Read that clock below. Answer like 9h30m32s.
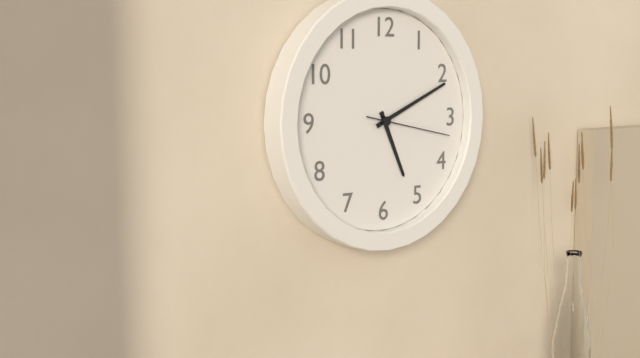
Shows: 5h11m17s
